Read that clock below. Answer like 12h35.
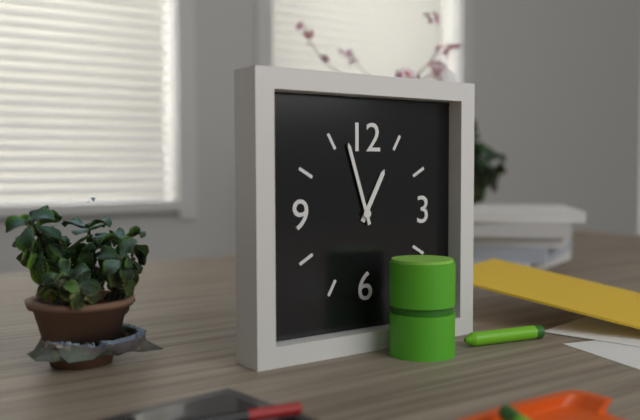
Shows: 12h57
